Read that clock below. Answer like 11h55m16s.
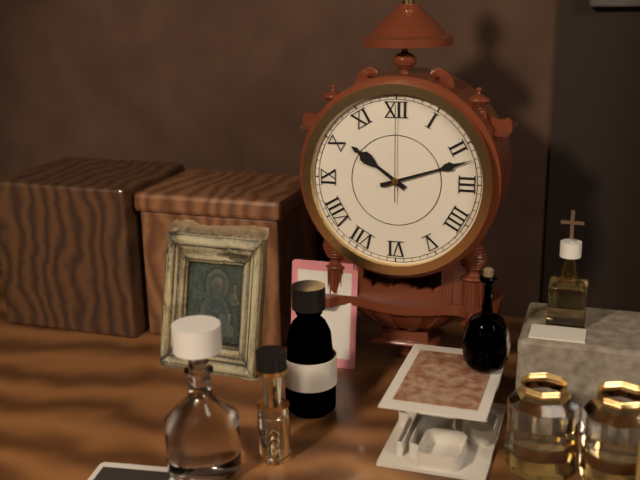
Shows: 10h12m00s
